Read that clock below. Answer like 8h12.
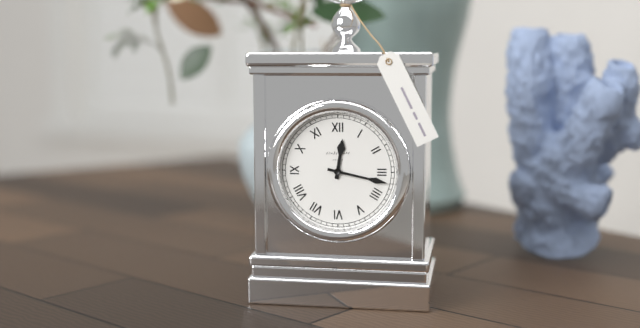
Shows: 12h17
